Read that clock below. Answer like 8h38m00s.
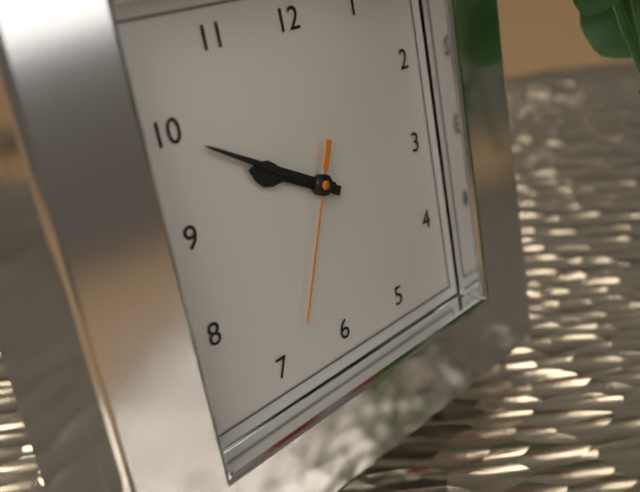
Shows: 9h50m34s
